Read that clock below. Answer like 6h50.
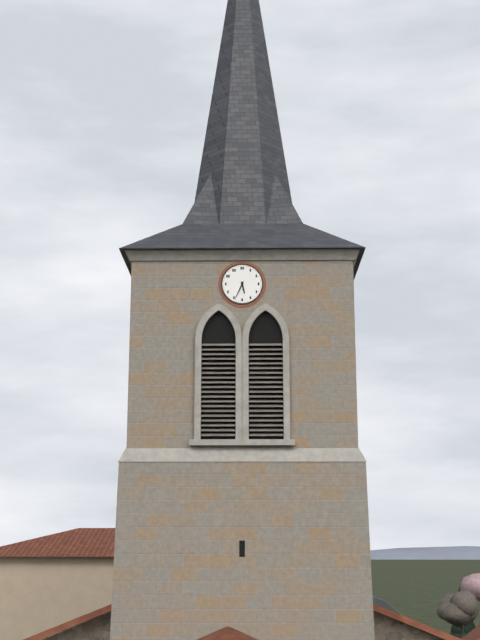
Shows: 5h34
